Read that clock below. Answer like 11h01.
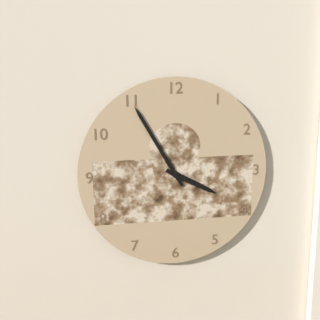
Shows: 3h55
